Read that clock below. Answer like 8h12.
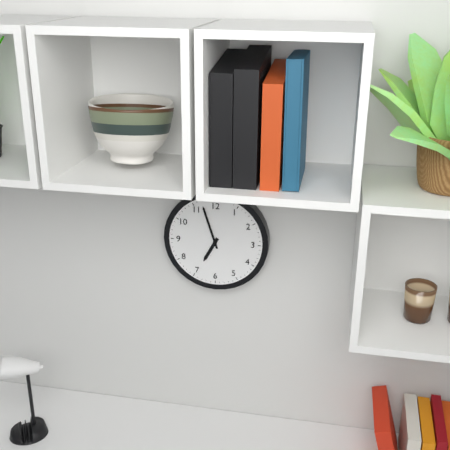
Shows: 6h57
